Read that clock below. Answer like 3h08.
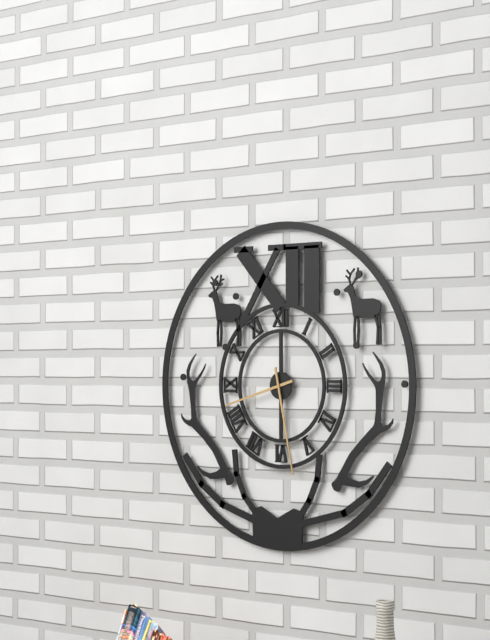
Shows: 8h28
